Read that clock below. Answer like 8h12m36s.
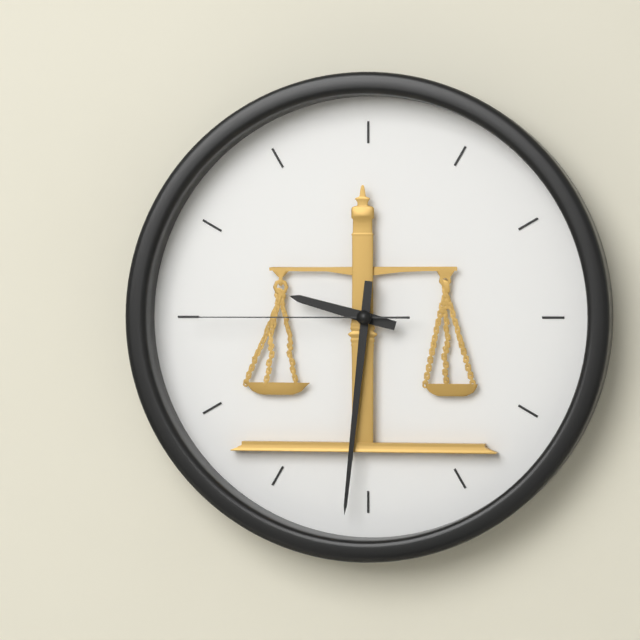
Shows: 9h31m45s
